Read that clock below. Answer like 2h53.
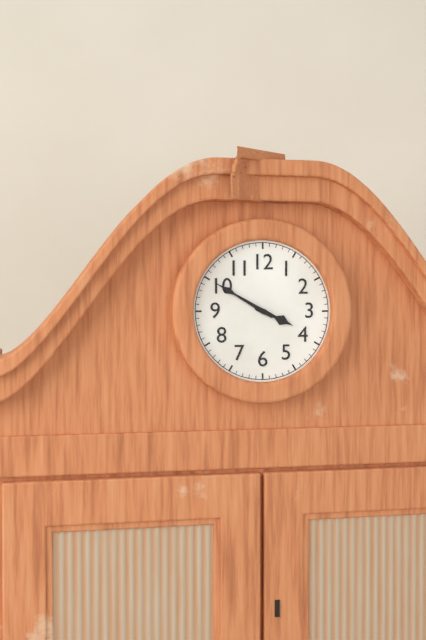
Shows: 3h50
